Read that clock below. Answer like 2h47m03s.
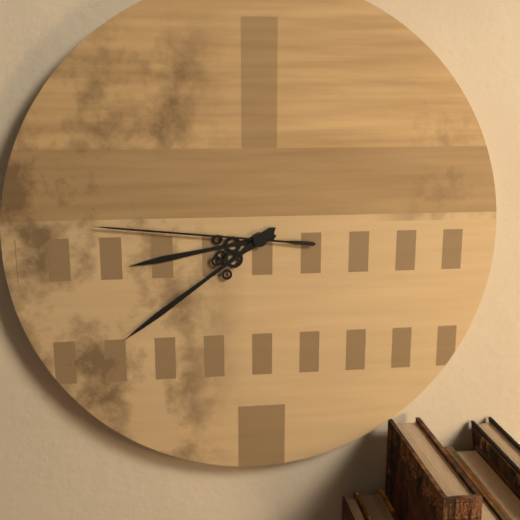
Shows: 8h39m46s
